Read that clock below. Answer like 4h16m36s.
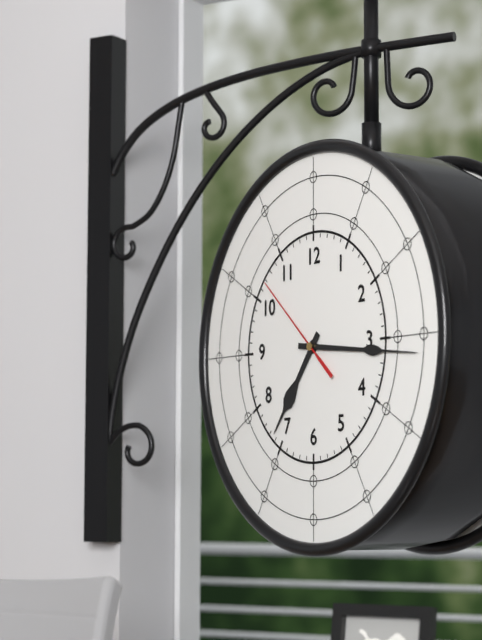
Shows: 7h16m52s
